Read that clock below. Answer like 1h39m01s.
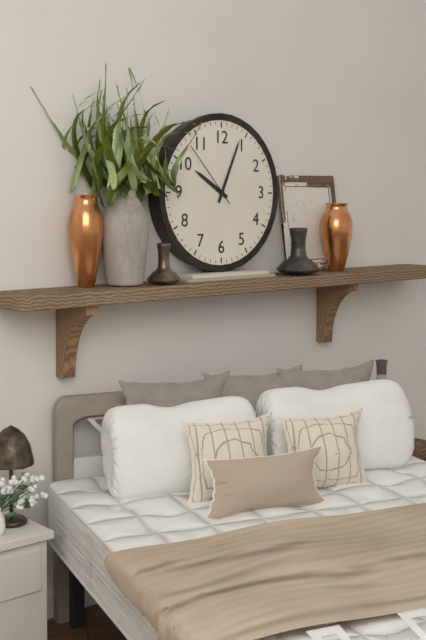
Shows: 10h04m53s
